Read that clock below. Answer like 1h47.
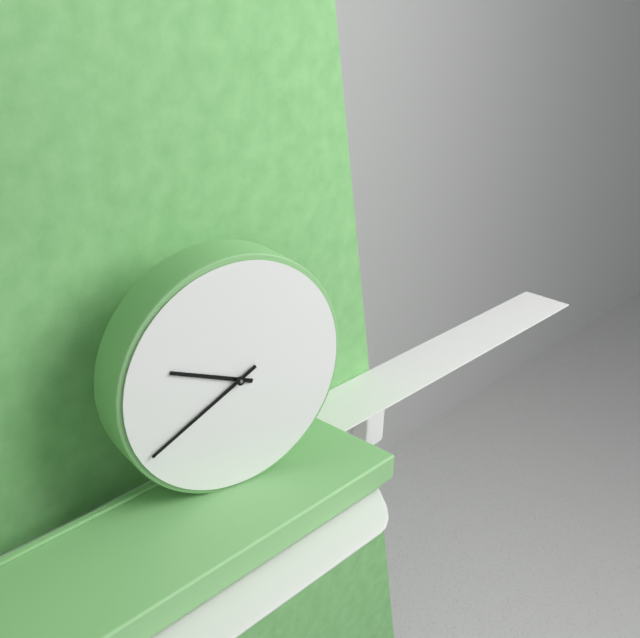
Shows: 9h40
